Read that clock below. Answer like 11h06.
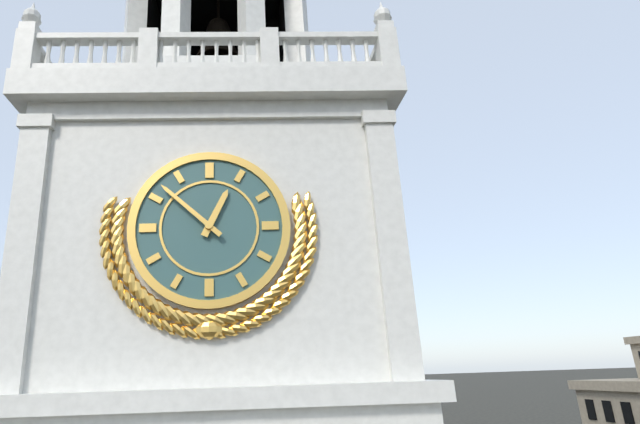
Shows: 12h52
